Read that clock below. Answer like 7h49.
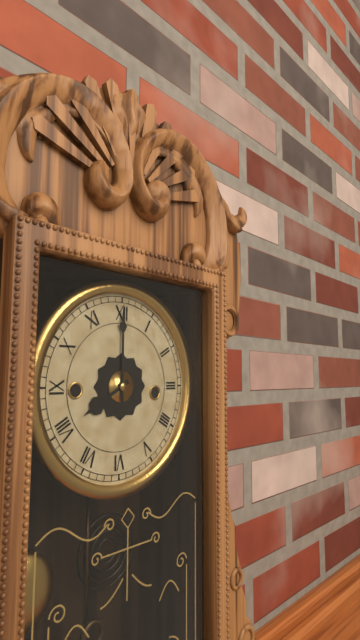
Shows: 8h00
